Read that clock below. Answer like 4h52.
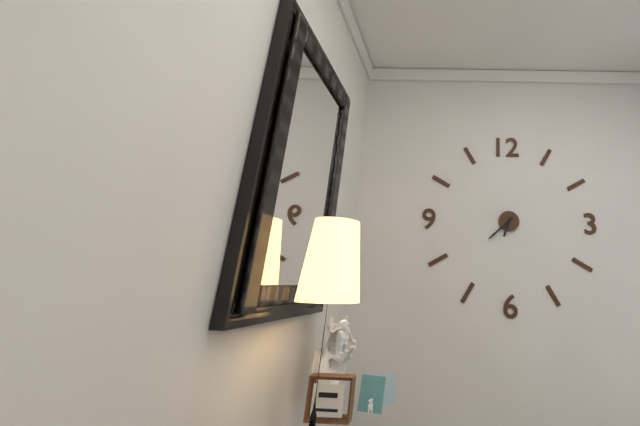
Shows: 6h38
